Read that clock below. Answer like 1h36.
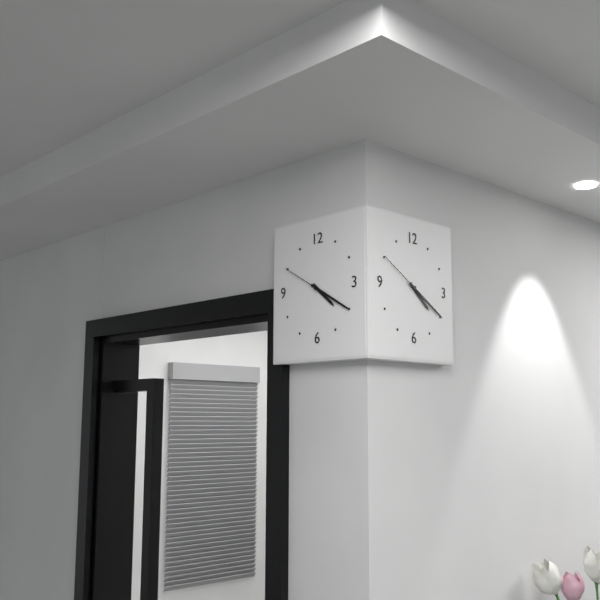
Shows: 4h20
